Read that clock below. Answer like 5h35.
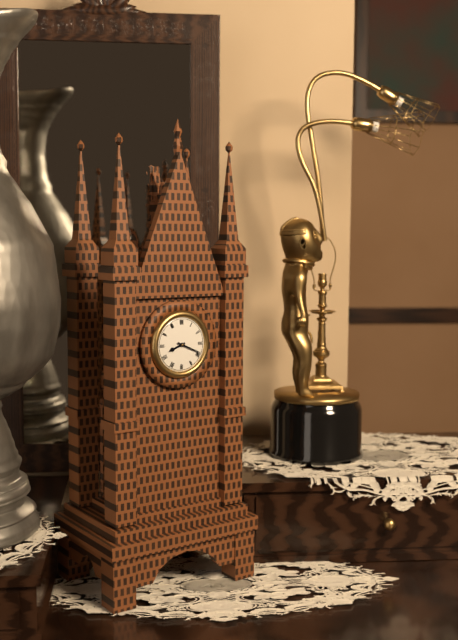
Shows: 8h19
